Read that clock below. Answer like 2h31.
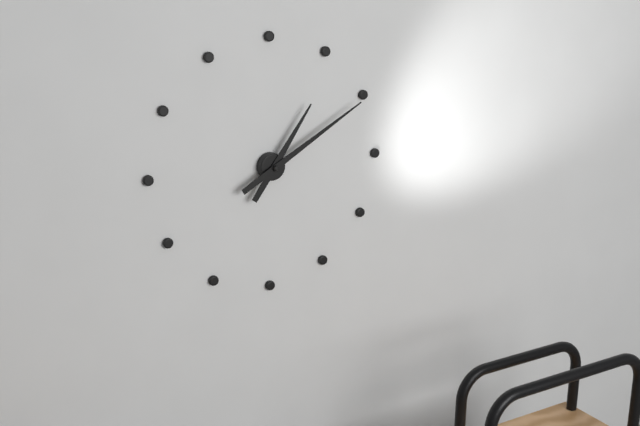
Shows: 1h10
